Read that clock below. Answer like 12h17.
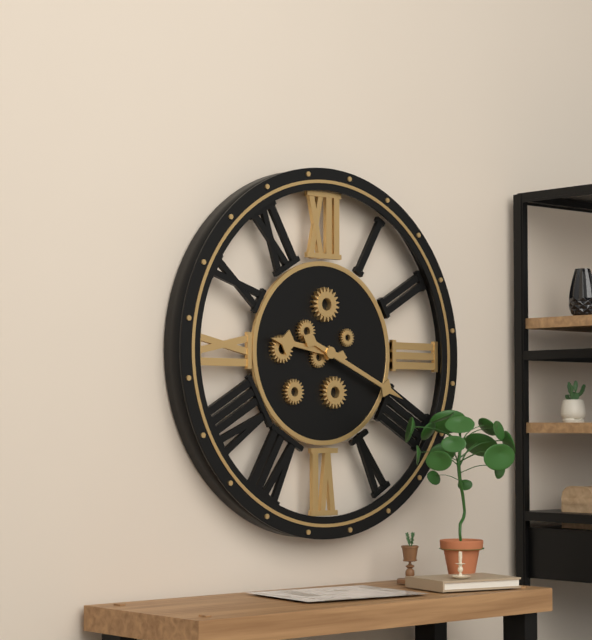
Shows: 9h19
